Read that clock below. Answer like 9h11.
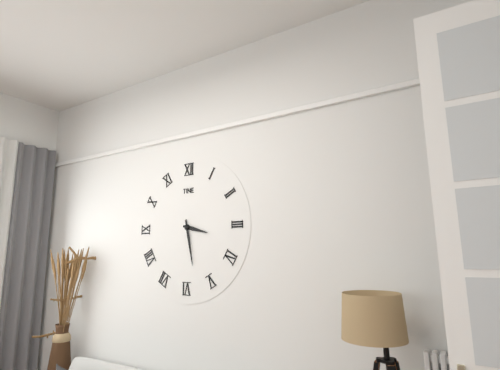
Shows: 3h28
